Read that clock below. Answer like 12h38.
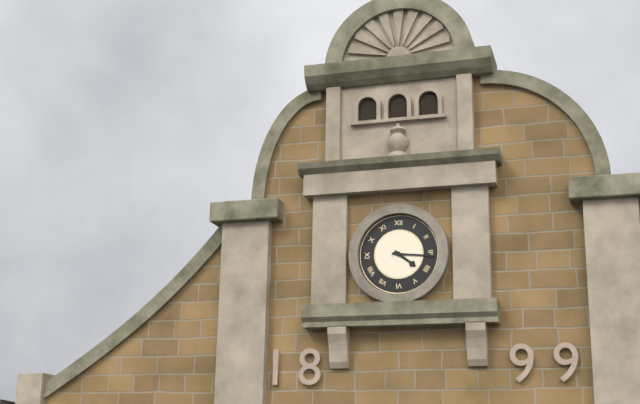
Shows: 4h16
